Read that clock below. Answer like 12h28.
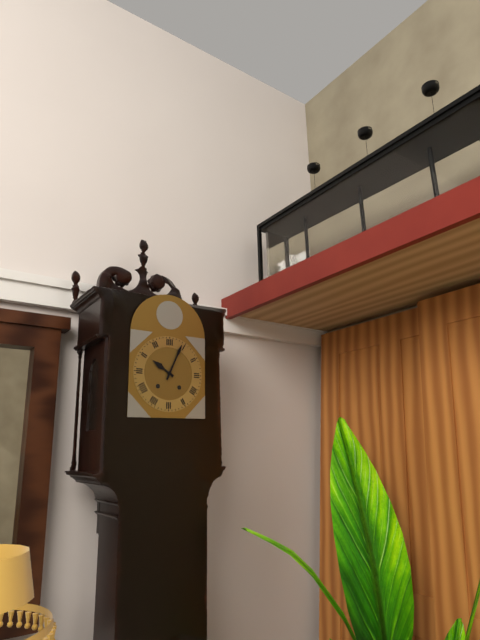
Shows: 10h04
